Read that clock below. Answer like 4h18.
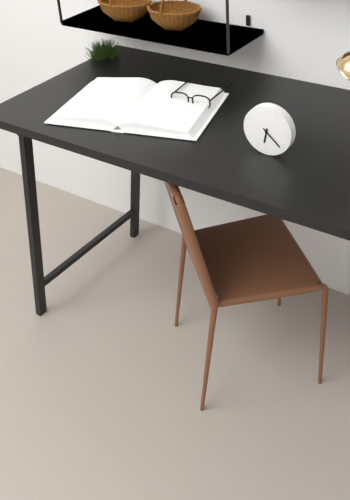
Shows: 6h22
